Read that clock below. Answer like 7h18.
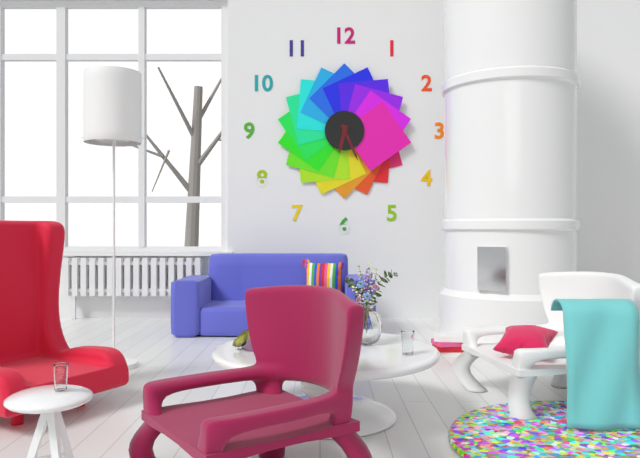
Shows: 6h26
